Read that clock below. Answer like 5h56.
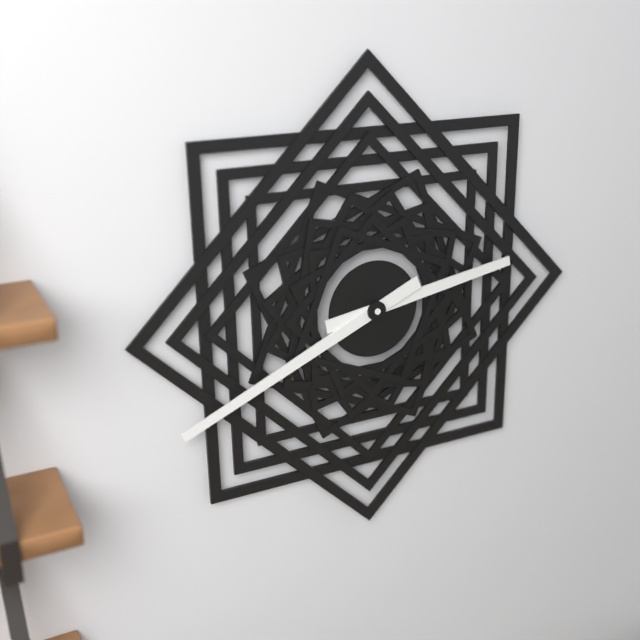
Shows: 2h41
